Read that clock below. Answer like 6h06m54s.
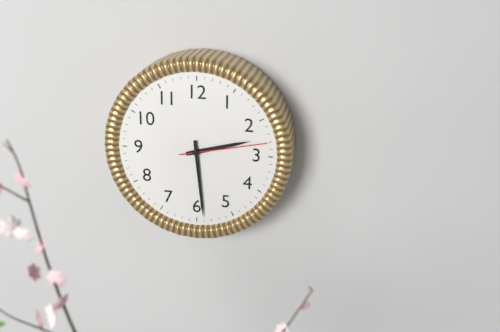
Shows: 2h29m13s
